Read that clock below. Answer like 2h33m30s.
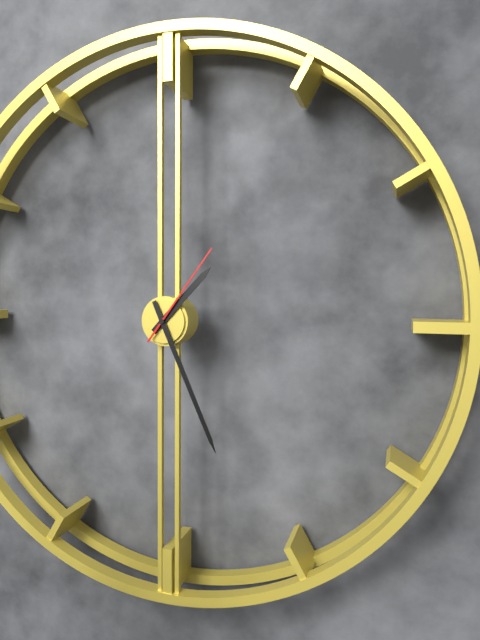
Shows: 1h26m06s
